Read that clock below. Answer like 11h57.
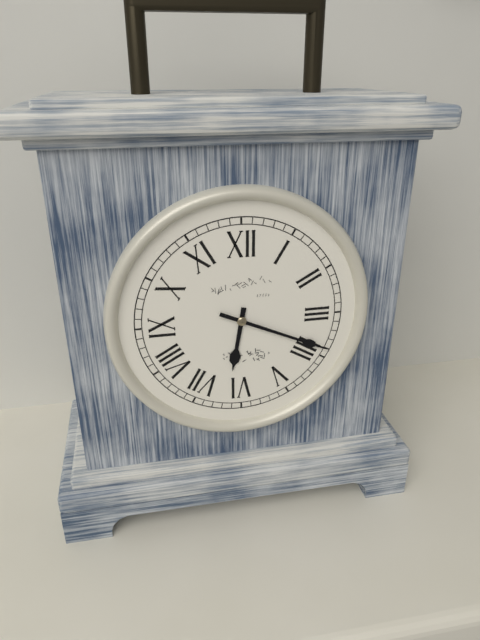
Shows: 6h19
